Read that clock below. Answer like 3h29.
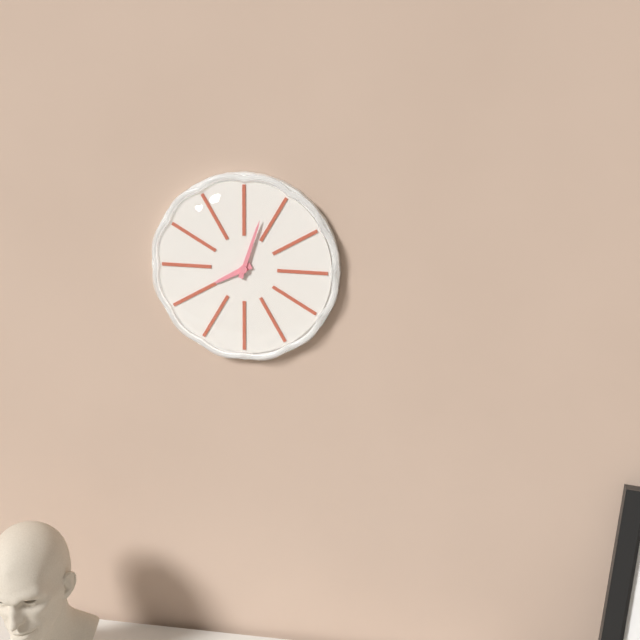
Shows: 8h03
